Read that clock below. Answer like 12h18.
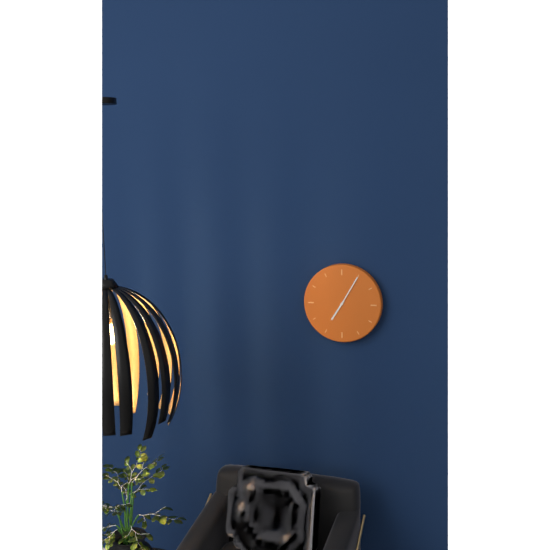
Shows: 7h05
